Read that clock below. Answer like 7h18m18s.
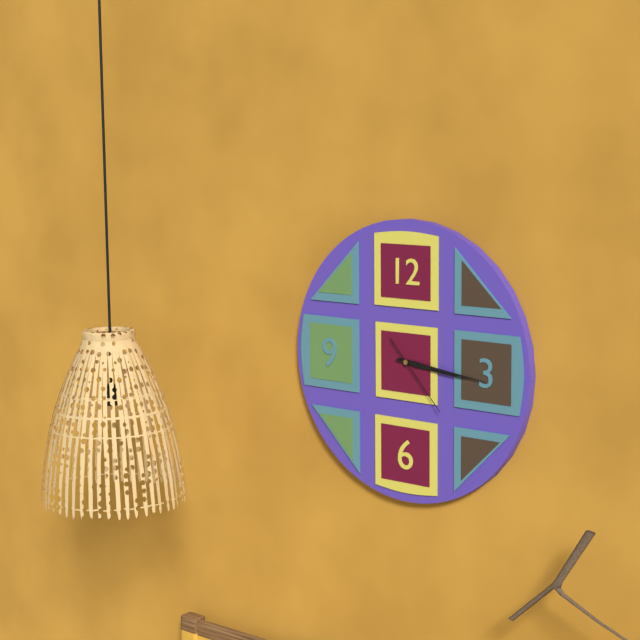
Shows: 3h16m23s
